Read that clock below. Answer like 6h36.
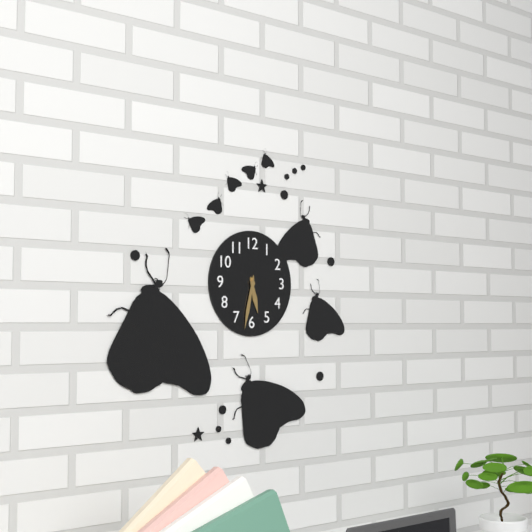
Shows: 5h32
